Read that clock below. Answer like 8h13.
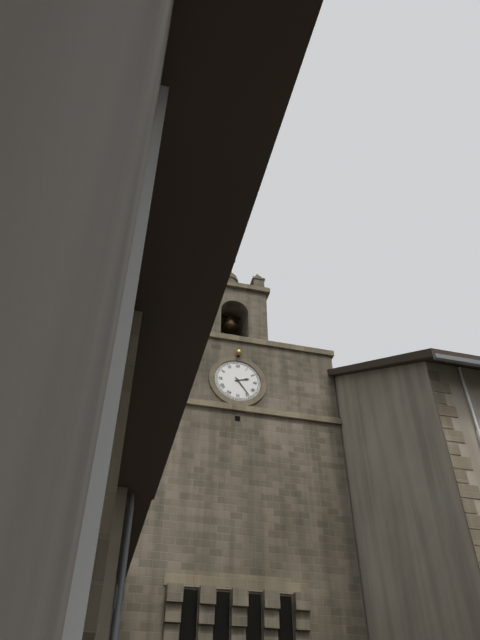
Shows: 2h24
